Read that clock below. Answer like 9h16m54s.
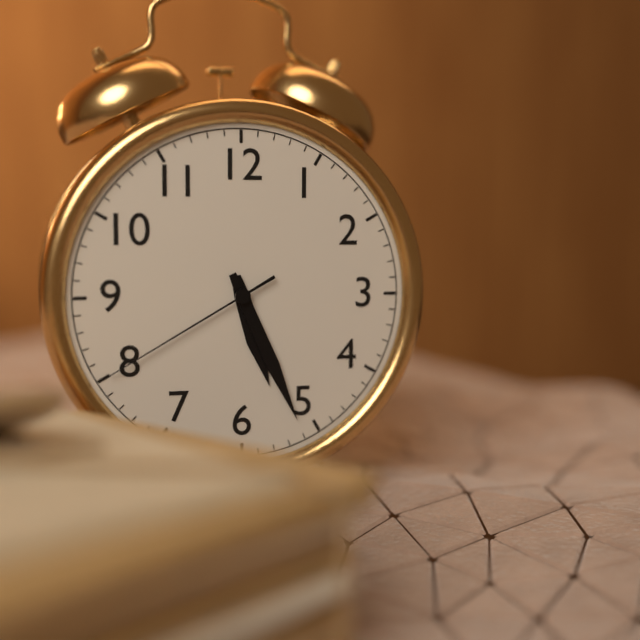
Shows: 5h26m40s
